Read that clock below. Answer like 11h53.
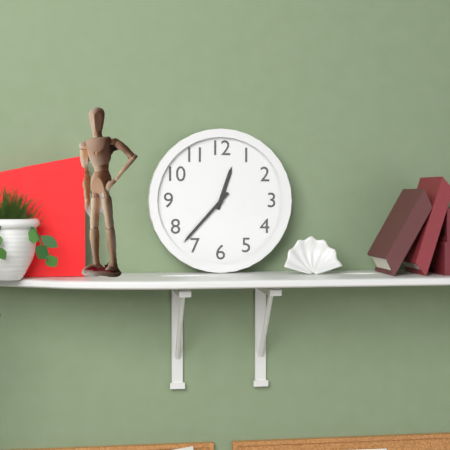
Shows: 12h37
